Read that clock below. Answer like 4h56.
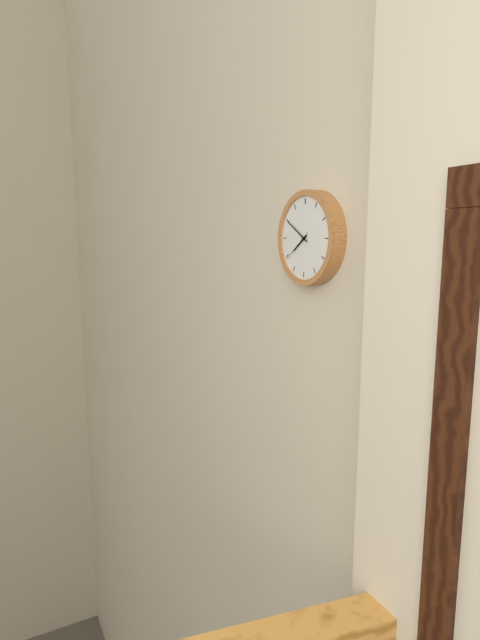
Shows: 7h50
